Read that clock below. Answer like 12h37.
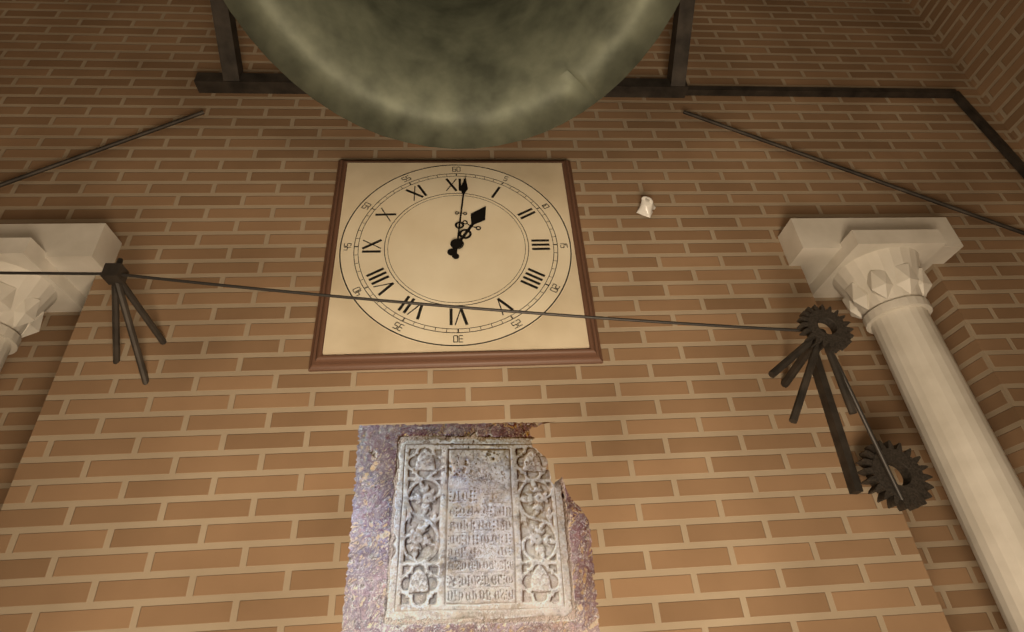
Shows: 1h01
